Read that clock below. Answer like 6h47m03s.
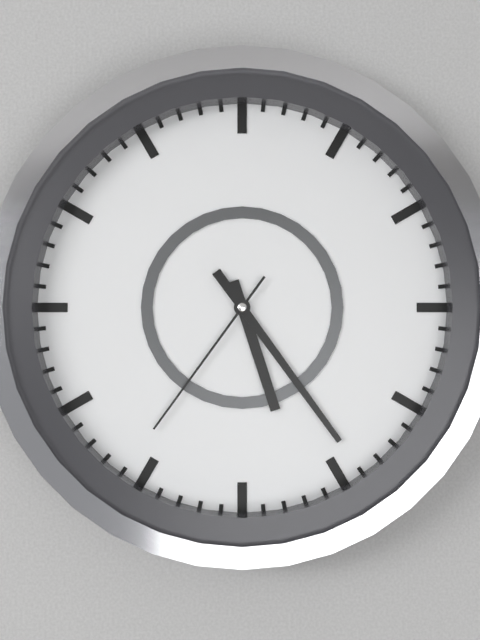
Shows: 5h24m36s
